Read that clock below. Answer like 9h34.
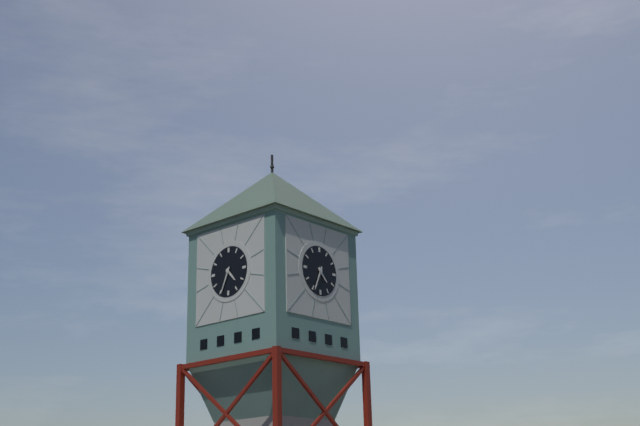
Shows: 4h34
